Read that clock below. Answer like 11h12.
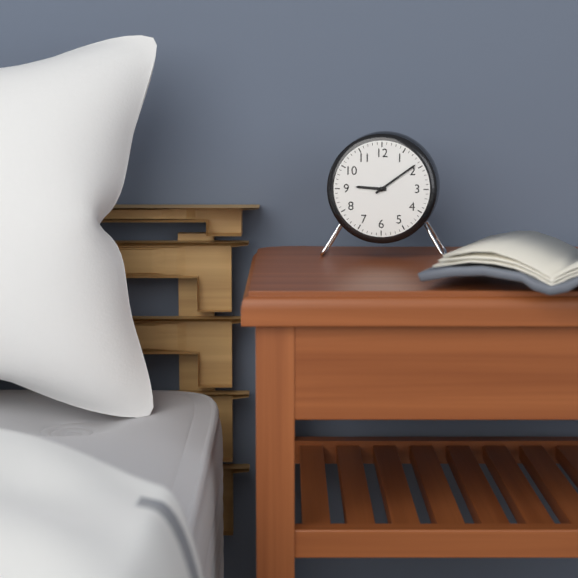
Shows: 9h09
